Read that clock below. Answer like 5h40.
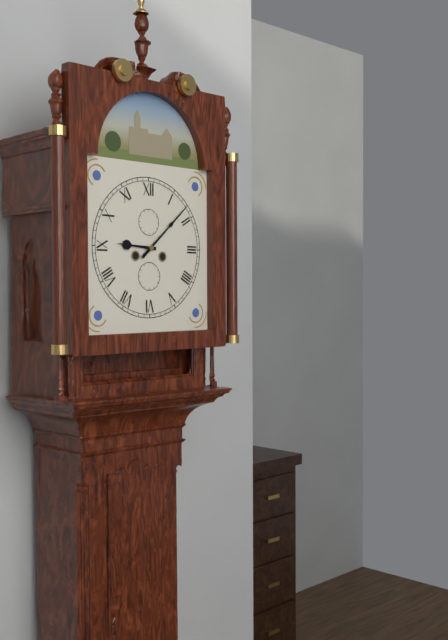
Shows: 9h08
